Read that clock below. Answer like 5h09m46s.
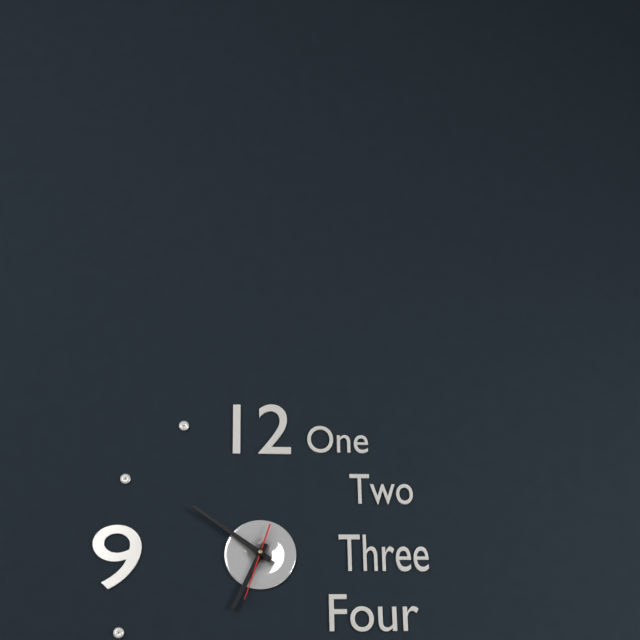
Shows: 6h51m33s
